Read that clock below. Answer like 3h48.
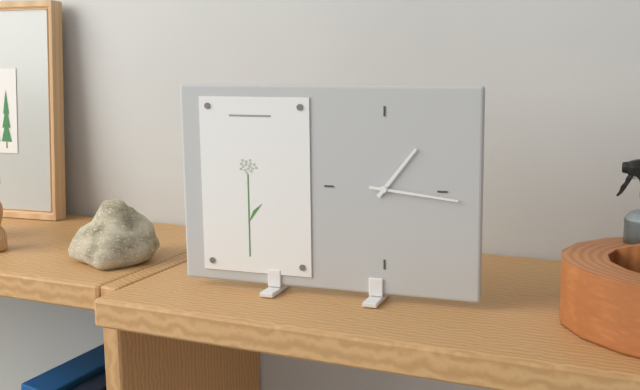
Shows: 1h16
